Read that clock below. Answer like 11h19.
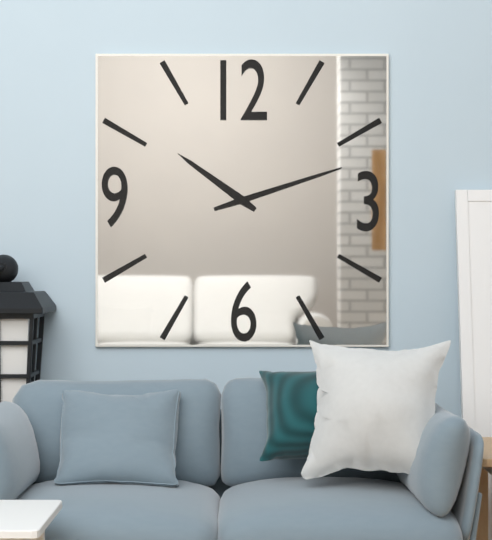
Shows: 10h12
